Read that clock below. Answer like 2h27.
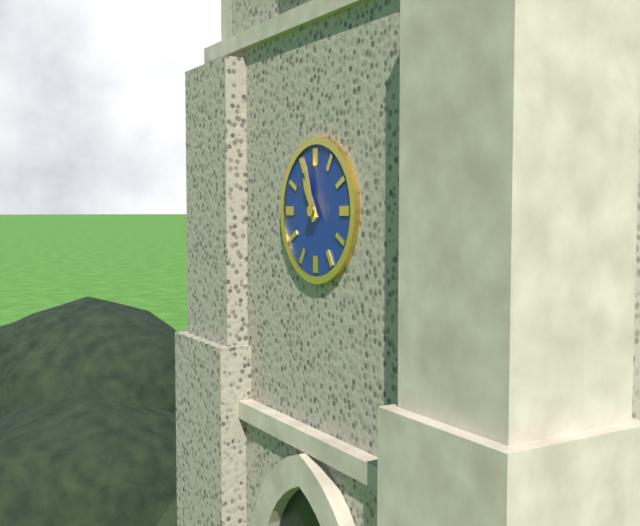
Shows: 10h57
